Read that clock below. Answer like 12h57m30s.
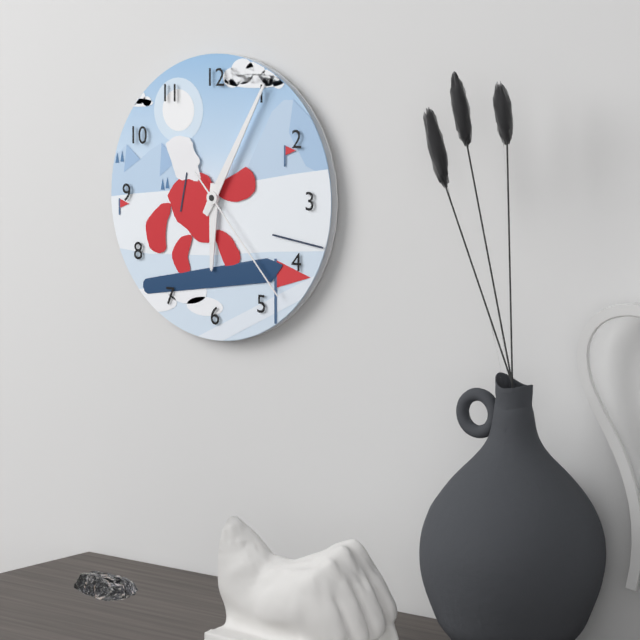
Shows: 6h05m23s
